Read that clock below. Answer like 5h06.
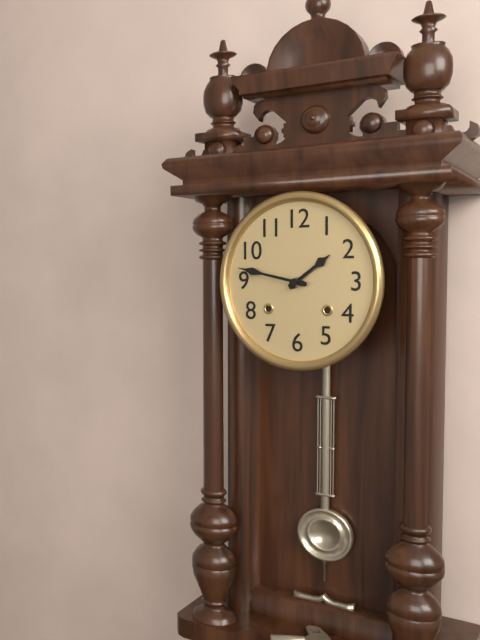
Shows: 1h47
